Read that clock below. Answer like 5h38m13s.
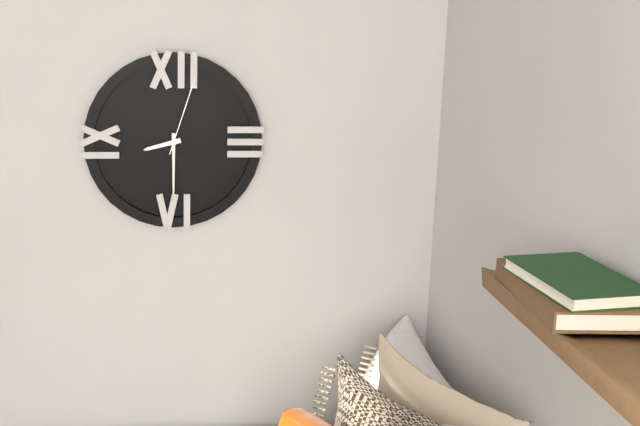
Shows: 8h30m03s
